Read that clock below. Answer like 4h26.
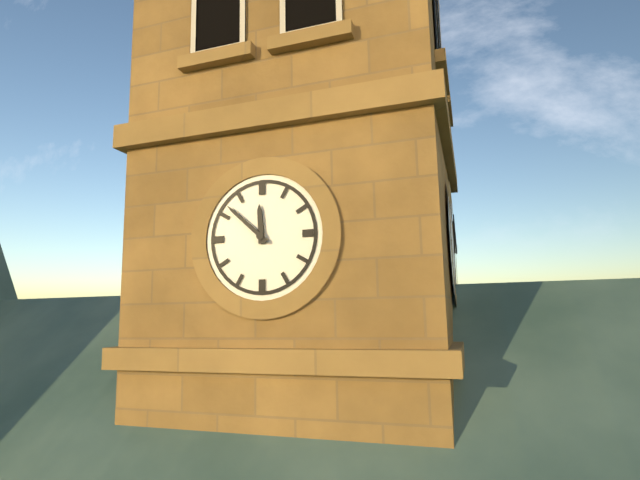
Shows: 11h52
